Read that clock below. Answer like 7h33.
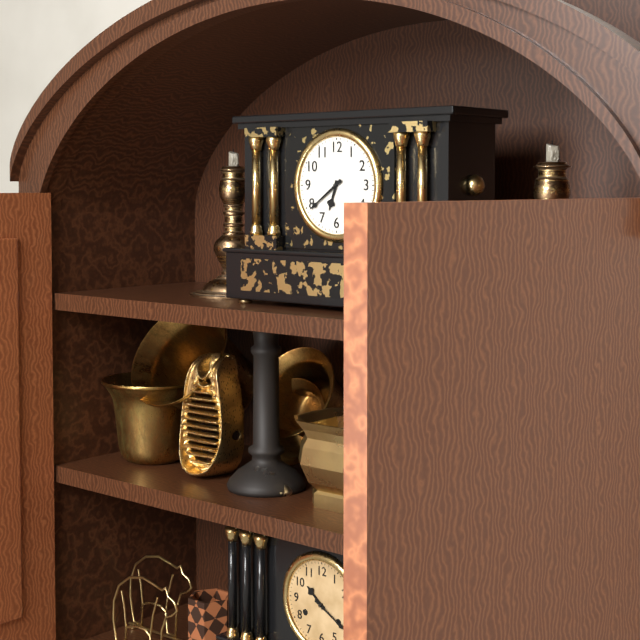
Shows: 6h39
